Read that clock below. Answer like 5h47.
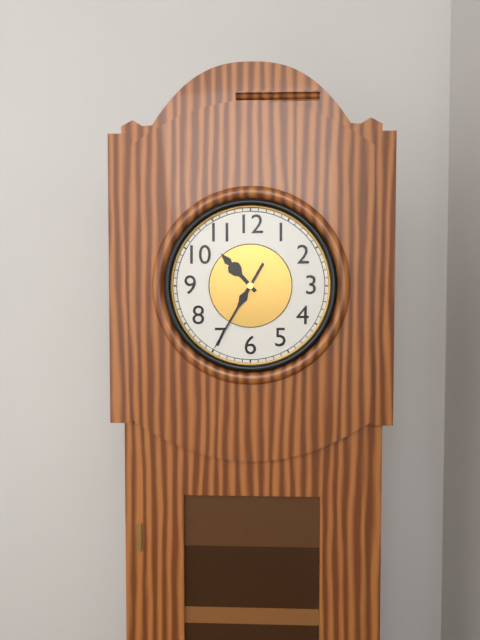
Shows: 10h35
